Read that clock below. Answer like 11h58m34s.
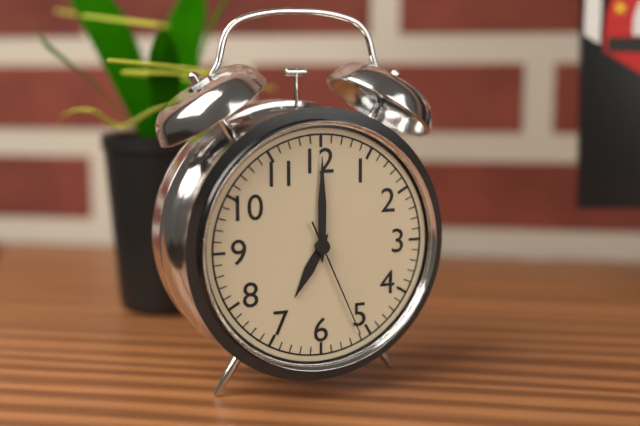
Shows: 7h00m26s
